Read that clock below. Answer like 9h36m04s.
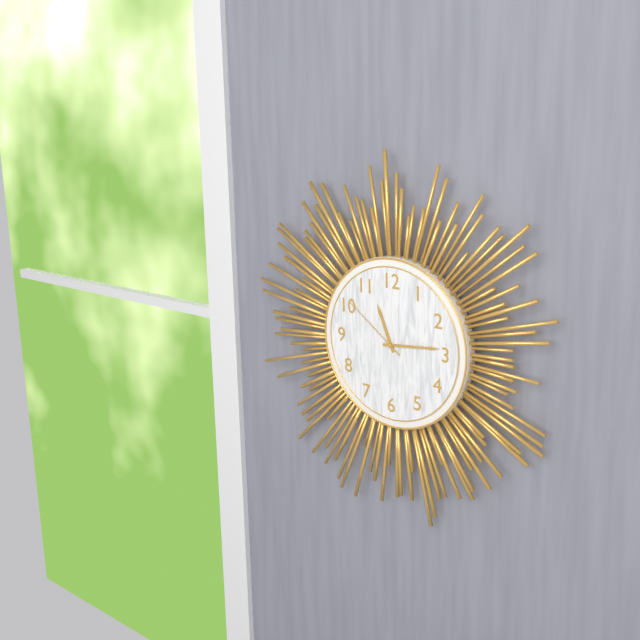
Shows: 11h14m51s
